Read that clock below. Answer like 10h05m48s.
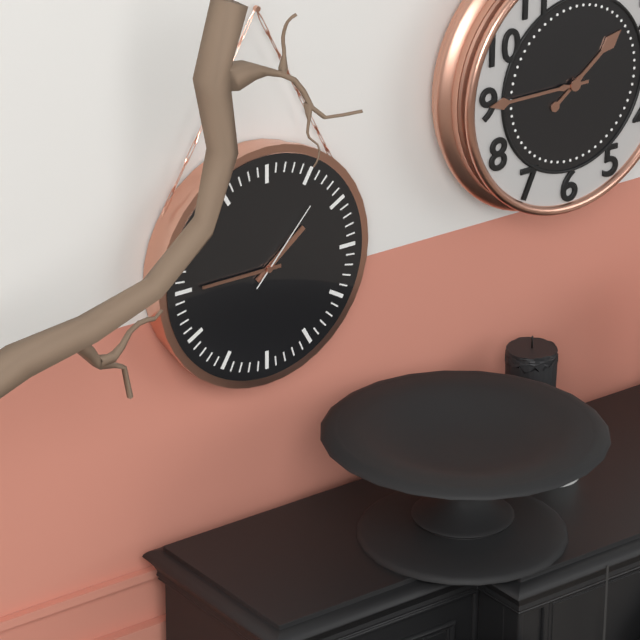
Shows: 1h45m07s
